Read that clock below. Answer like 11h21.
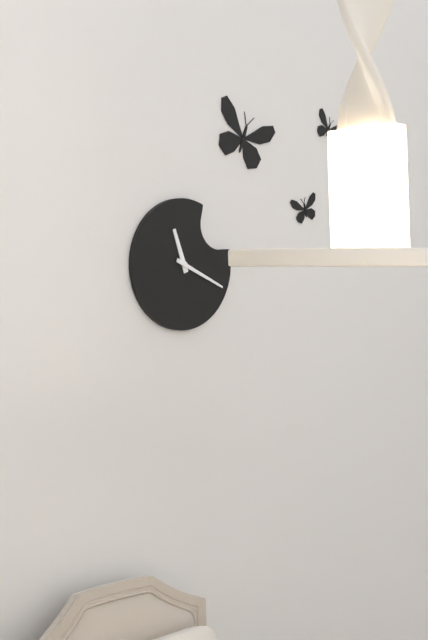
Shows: 11h19
